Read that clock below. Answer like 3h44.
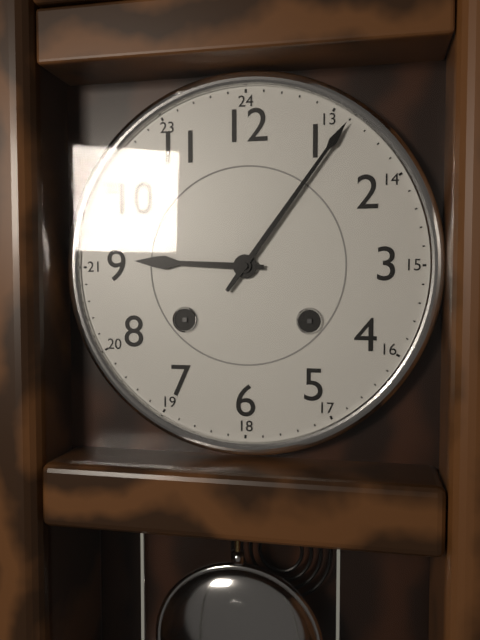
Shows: 9h06
